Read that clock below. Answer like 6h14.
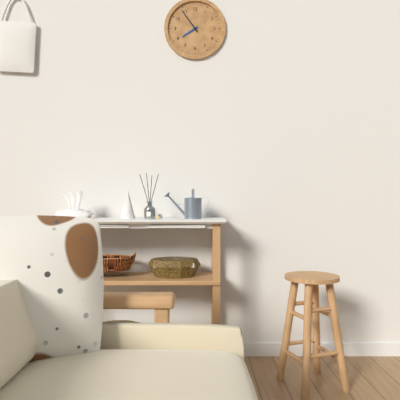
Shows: 7h54
